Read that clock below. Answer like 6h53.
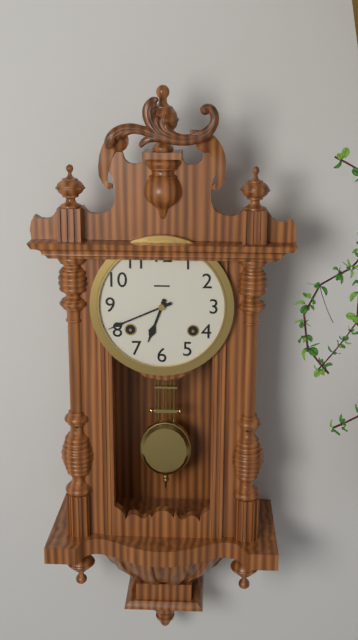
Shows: 6h41
